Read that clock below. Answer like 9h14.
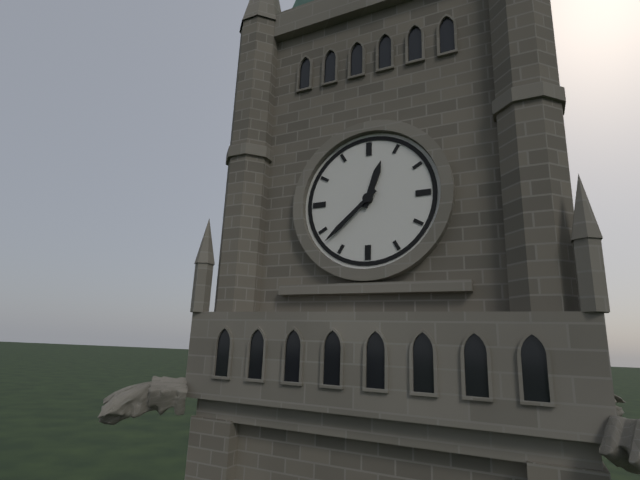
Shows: 12h38
